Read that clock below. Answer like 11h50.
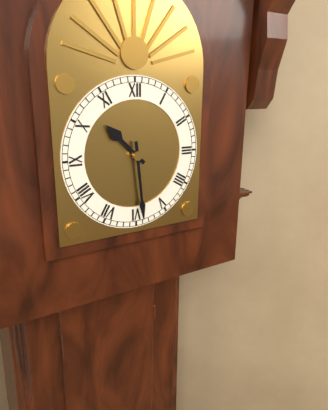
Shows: 10h29
